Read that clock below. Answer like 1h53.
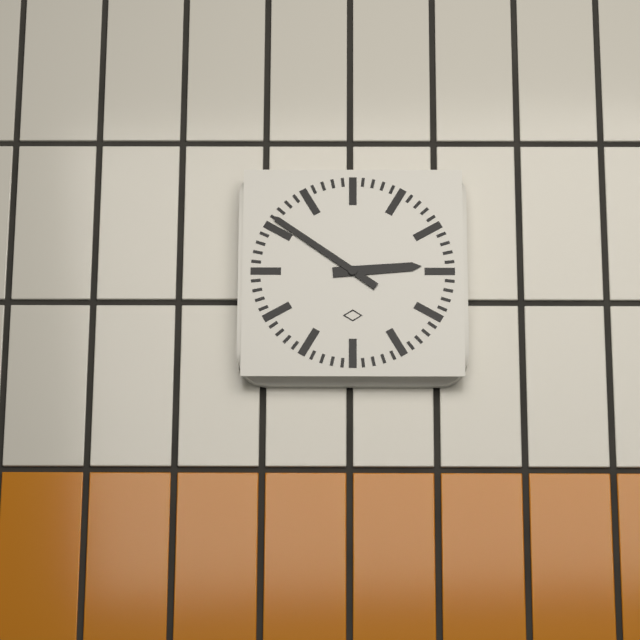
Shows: 2h51
